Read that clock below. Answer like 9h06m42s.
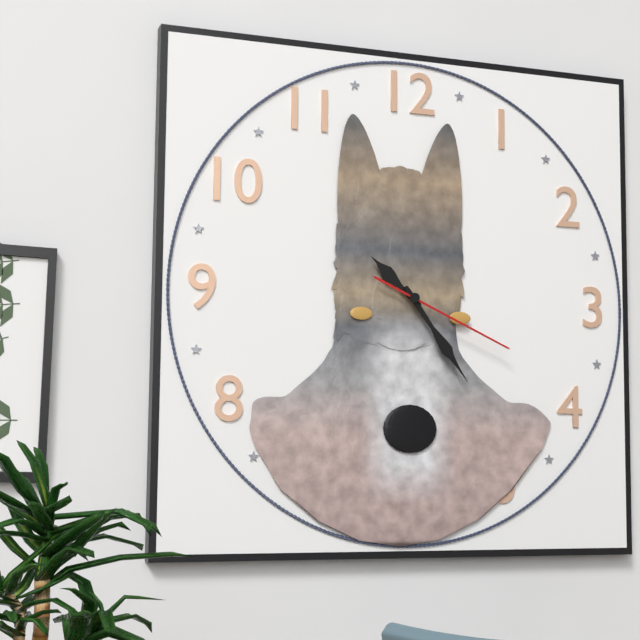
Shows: 10h24m19s
